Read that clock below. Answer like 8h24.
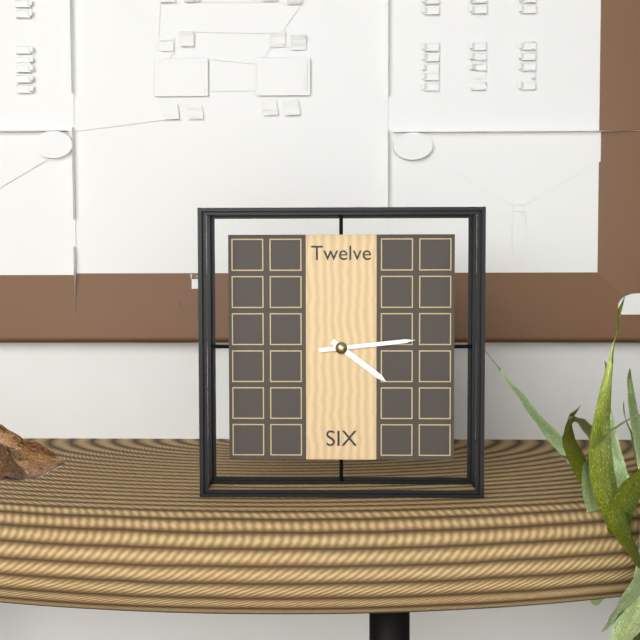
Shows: 4h14
